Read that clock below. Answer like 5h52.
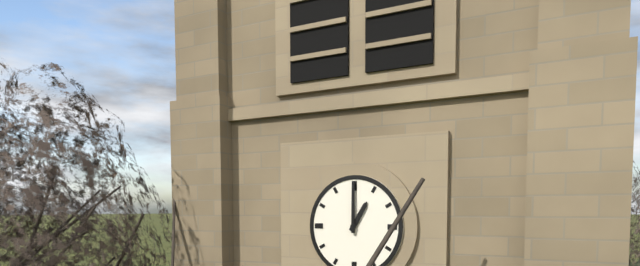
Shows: 1h00
